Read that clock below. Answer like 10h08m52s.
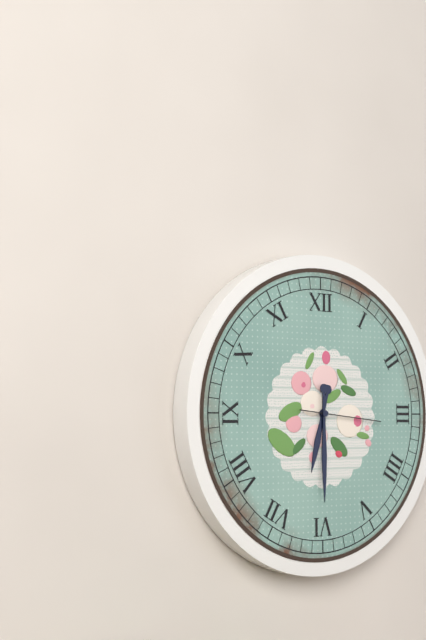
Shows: 6h30m16s
